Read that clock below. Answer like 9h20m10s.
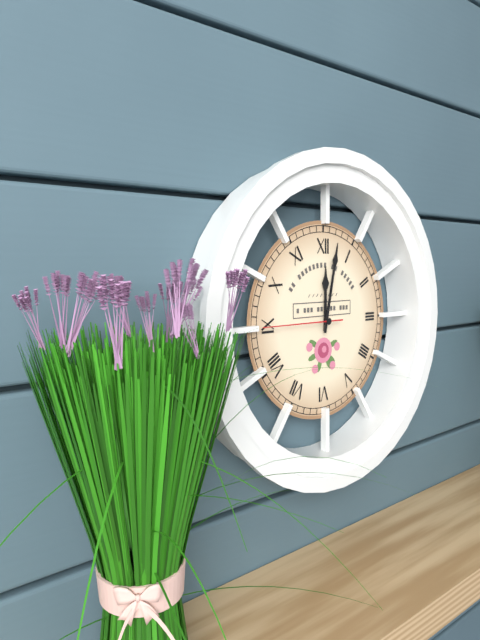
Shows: 12h02m45s
